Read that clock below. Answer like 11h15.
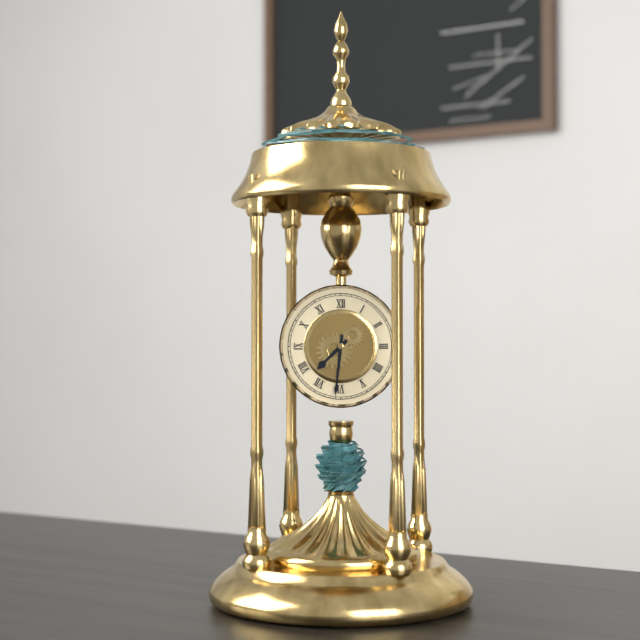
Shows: 7h31
